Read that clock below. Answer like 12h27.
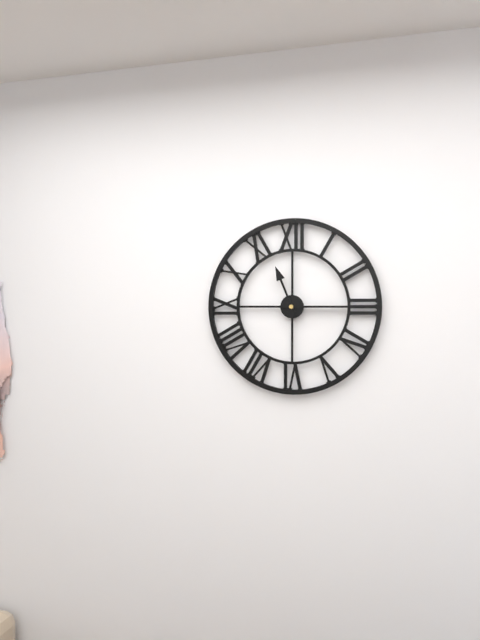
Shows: 11h15
